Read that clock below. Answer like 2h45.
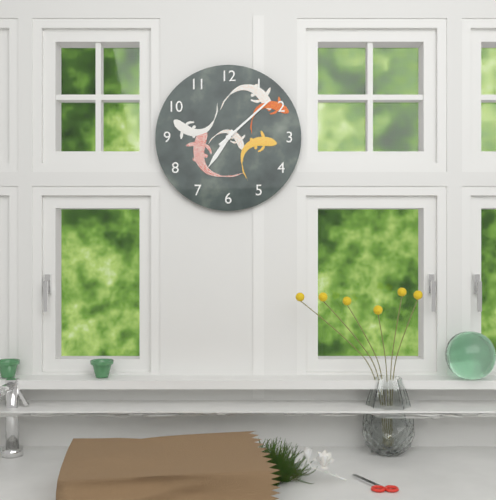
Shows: 7h08
